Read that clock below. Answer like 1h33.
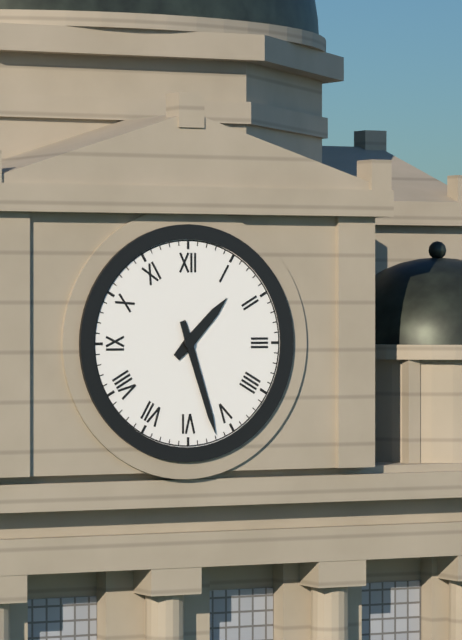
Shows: 1h27
